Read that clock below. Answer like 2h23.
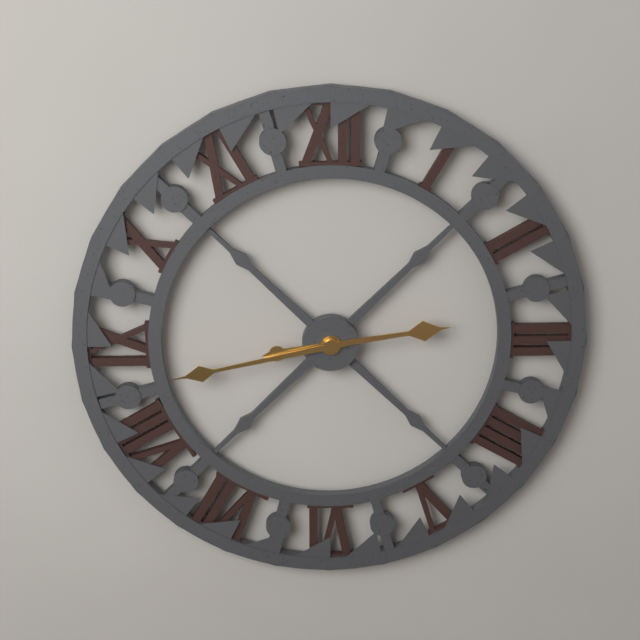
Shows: 2h43
